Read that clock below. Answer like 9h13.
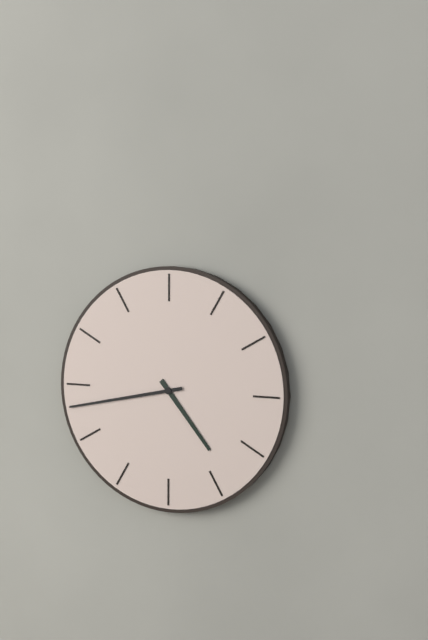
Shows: 4h43
